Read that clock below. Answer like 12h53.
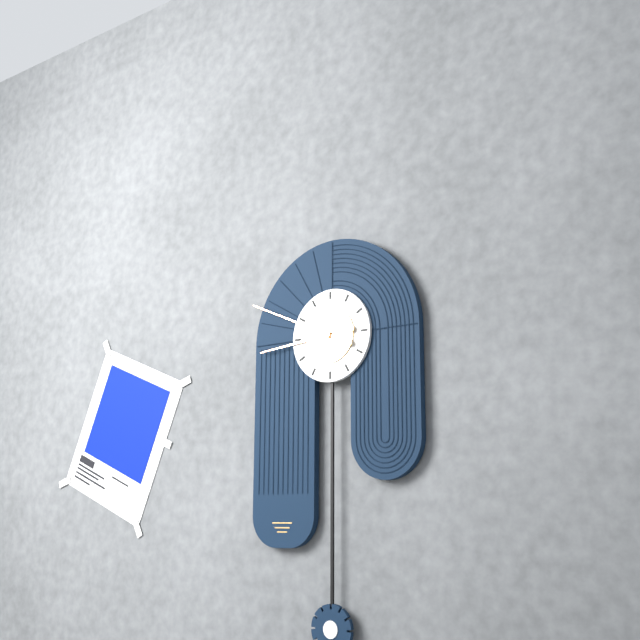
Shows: 8h49
